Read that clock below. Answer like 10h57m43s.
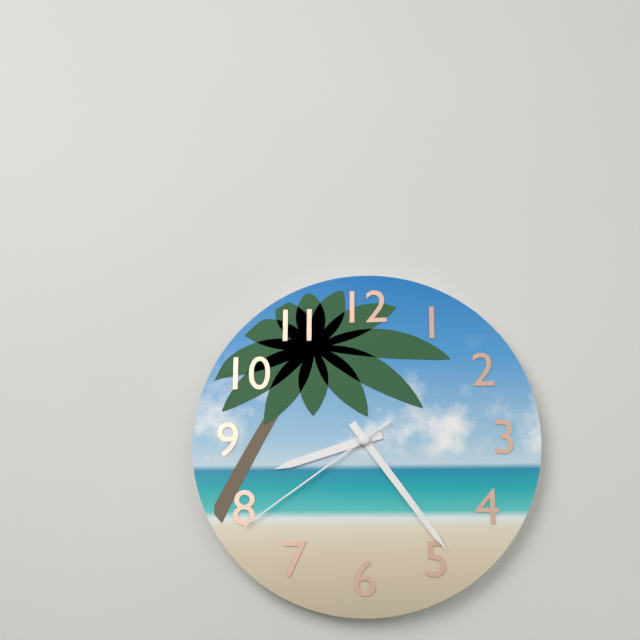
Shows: 8h24m39s
